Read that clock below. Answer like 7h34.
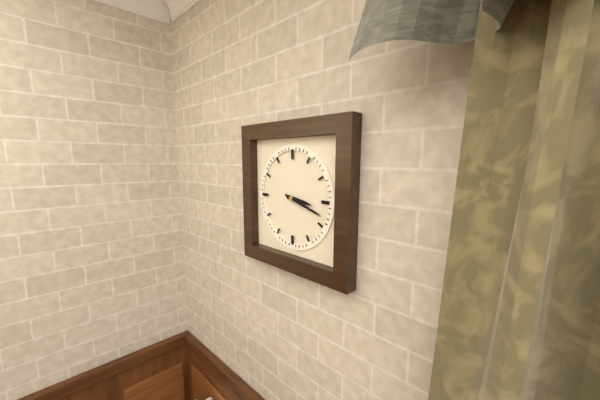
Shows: 3h18
